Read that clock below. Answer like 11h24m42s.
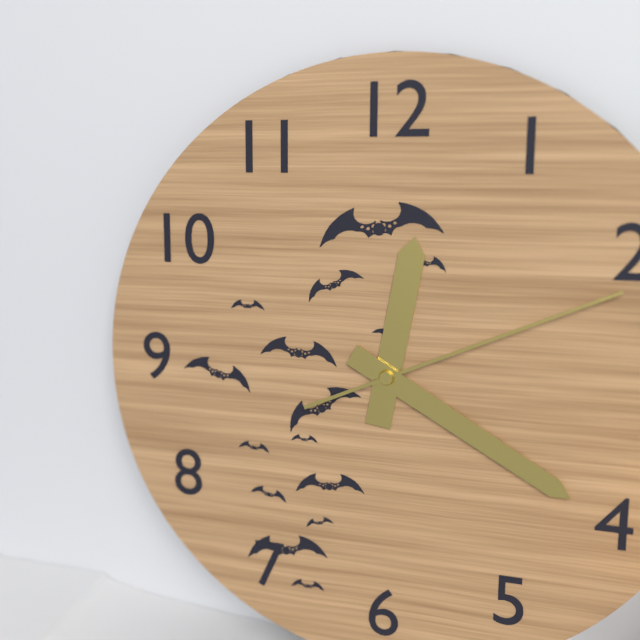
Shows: 12h20m11s
